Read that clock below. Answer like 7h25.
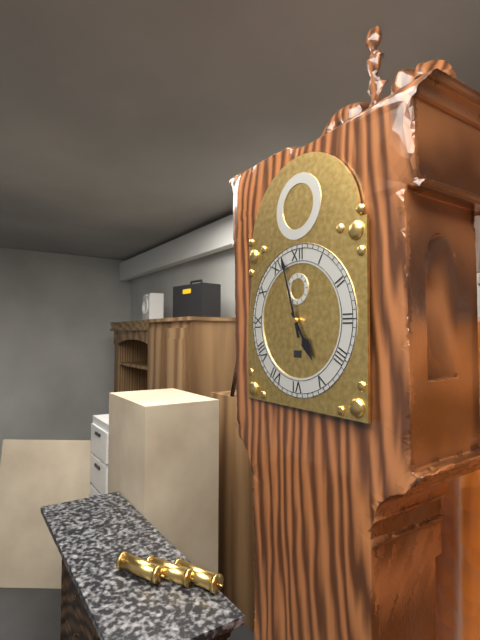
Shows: 4h57
